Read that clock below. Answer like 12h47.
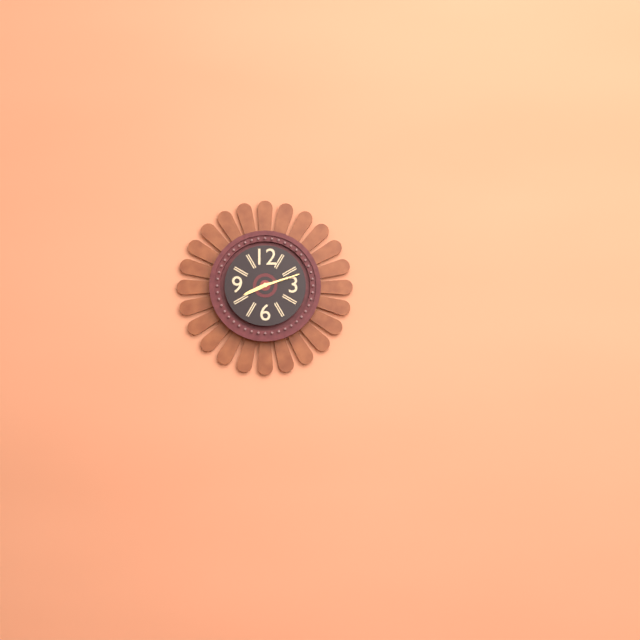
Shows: 8h12
